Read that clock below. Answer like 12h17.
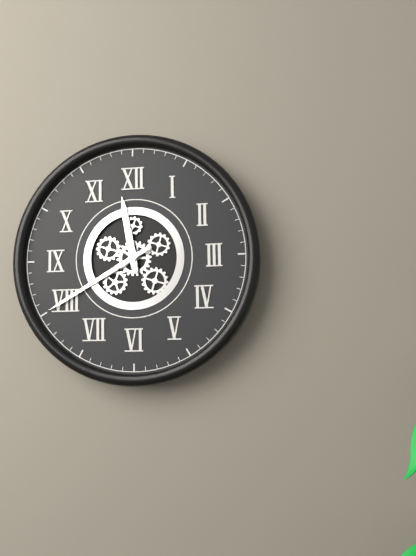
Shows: 11h40
